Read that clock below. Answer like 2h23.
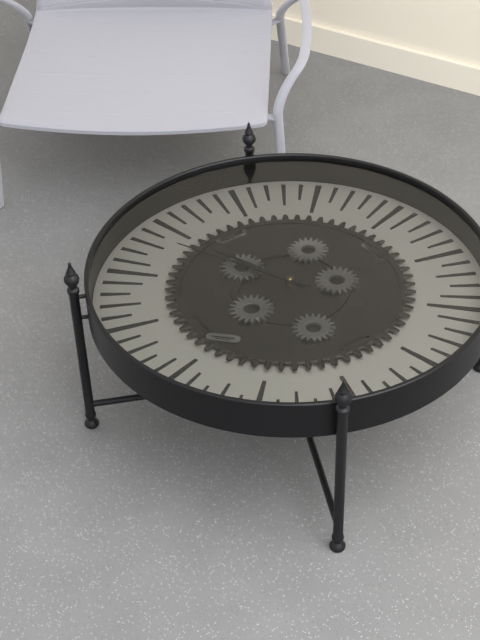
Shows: 9h48
